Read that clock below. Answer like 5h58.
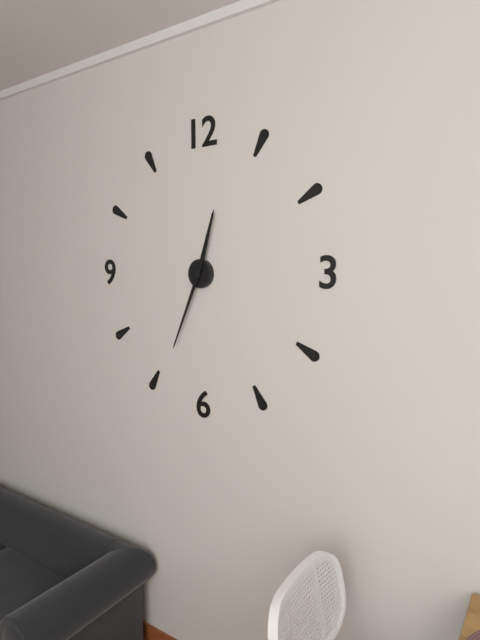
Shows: 12h34
